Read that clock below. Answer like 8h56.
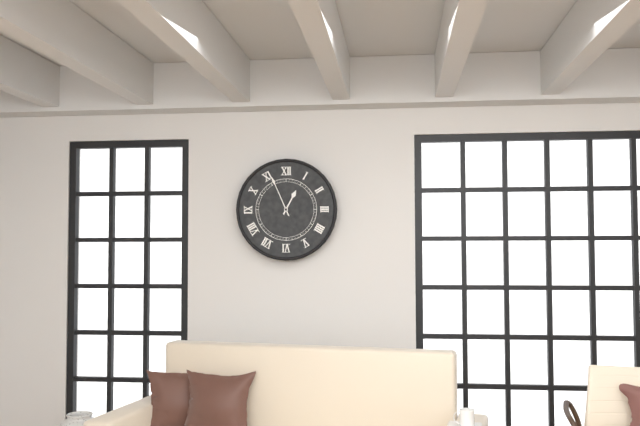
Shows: 12h56
